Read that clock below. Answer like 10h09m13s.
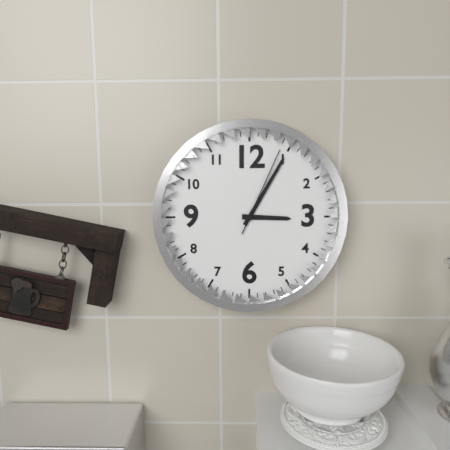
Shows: 3h05m04s
